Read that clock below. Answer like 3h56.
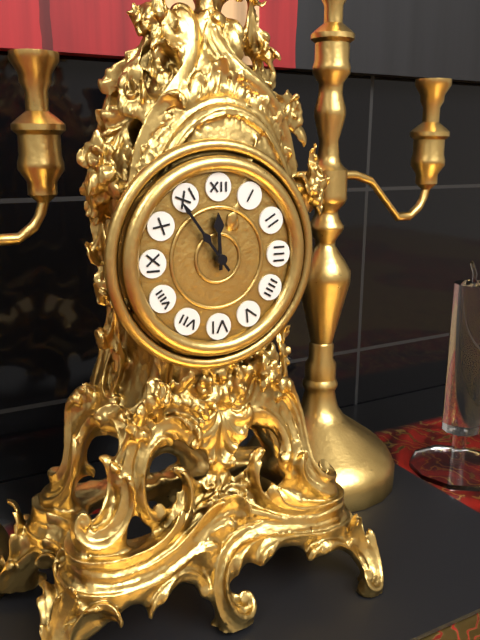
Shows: 11h54
